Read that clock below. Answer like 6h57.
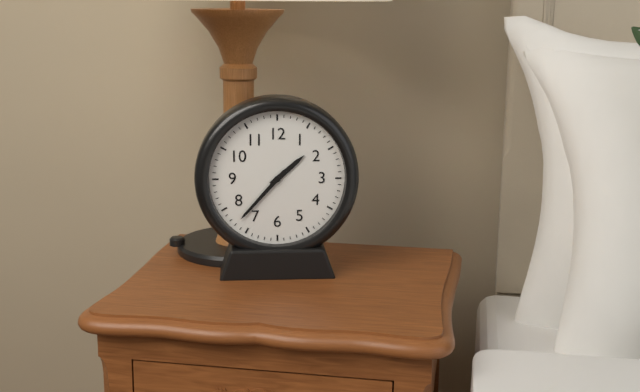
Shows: 1h37
